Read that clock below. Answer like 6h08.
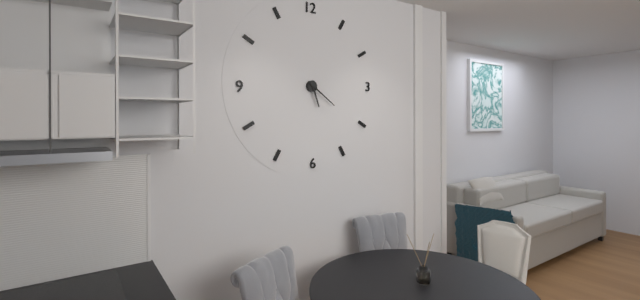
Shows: 5h21
